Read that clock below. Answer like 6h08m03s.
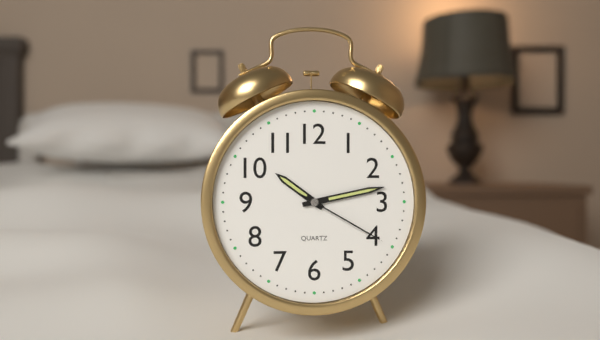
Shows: 10h13m20s
